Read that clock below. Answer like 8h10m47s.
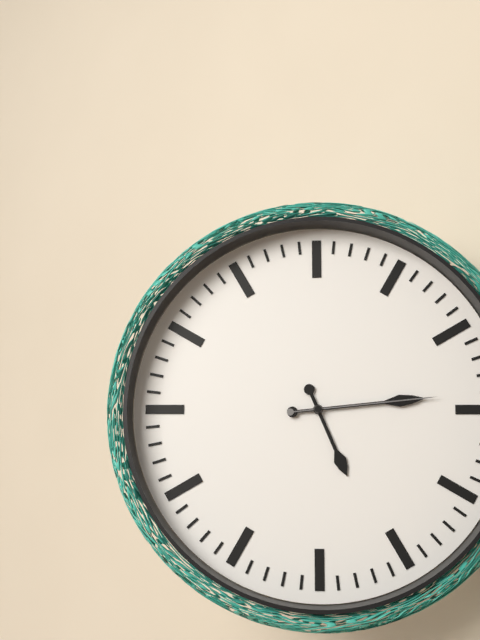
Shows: 5h14m14s
